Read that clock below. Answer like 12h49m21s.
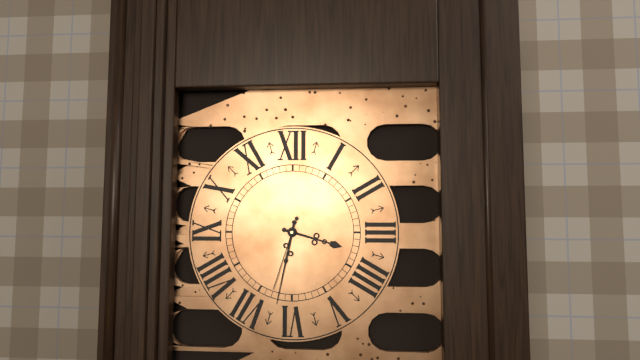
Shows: 3h32m33s
